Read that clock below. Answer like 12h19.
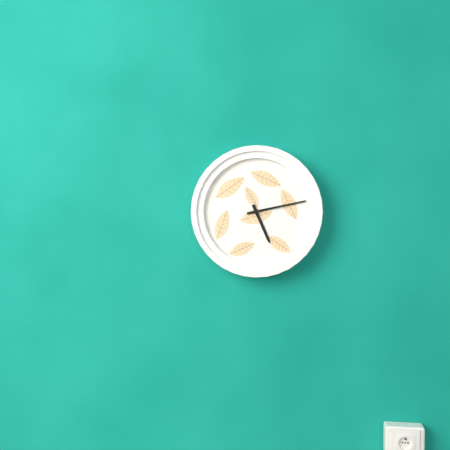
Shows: 5h13
